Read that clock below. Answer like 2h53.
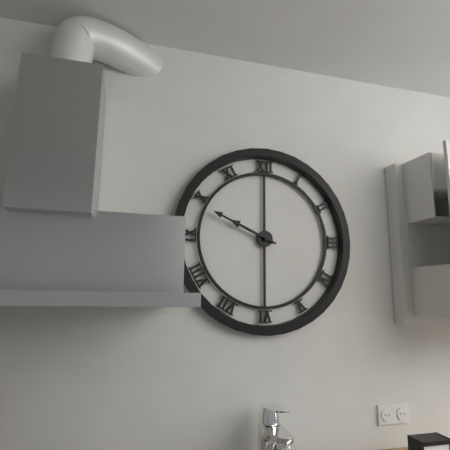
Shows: 9h49
